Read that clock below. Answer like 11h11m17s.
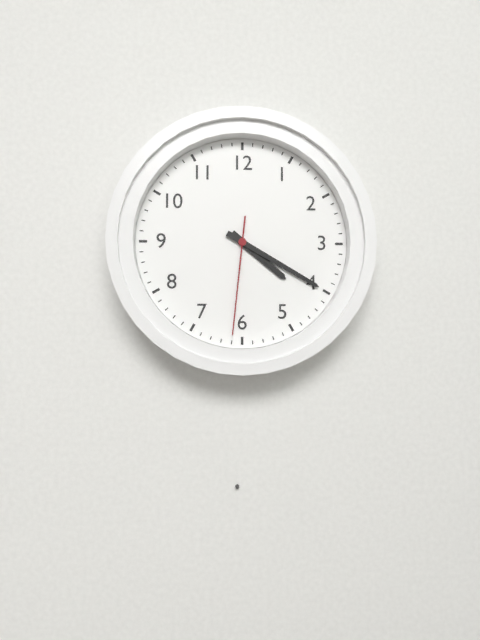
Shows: 4h20m31s
